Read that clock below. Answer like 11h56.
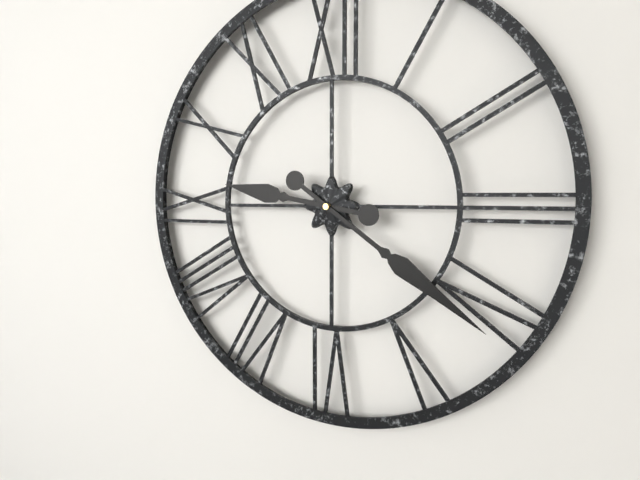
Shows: 9h21
